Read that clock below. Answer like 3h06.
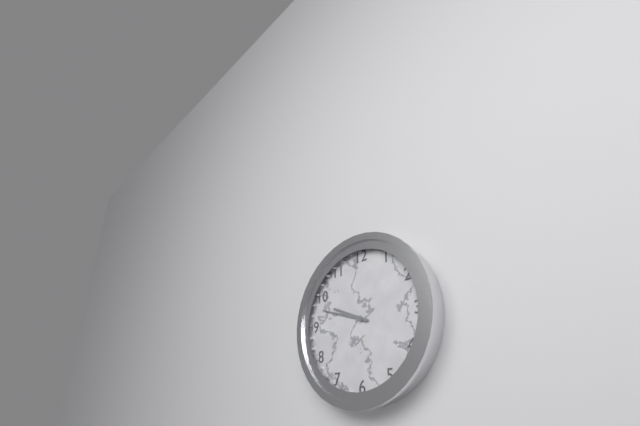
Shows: 9h48
